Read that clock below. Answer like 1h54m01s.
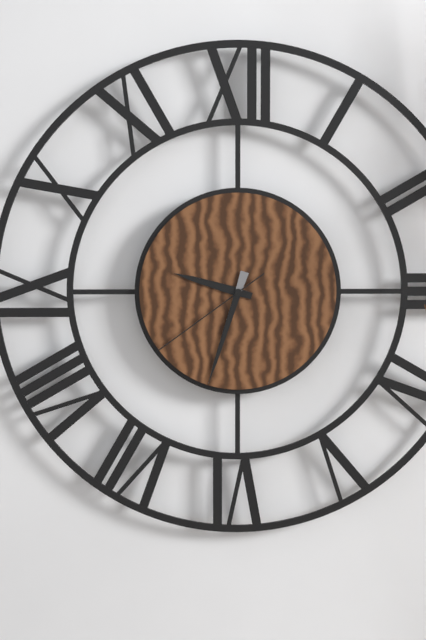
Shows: 9h33m39s
